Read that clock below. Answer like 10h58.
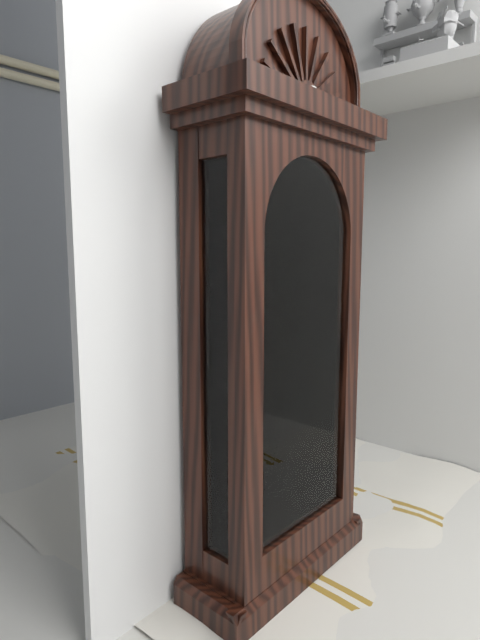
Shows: 7h30
